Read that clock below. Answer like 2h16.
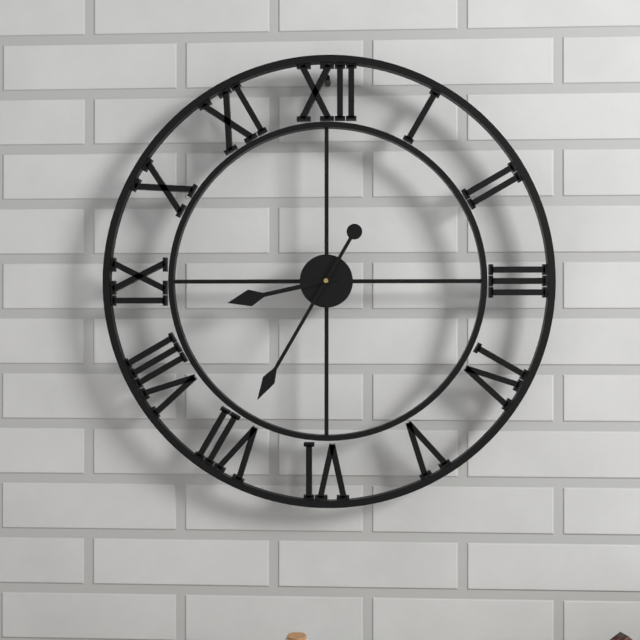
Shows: 8h35
